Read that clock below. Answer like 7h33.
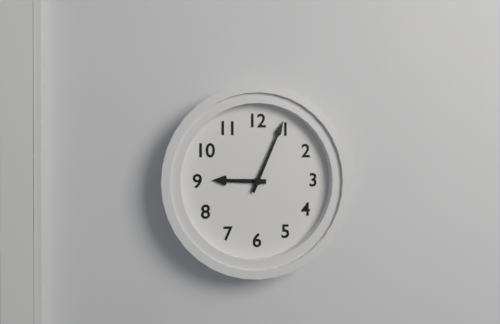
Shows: 9h04
